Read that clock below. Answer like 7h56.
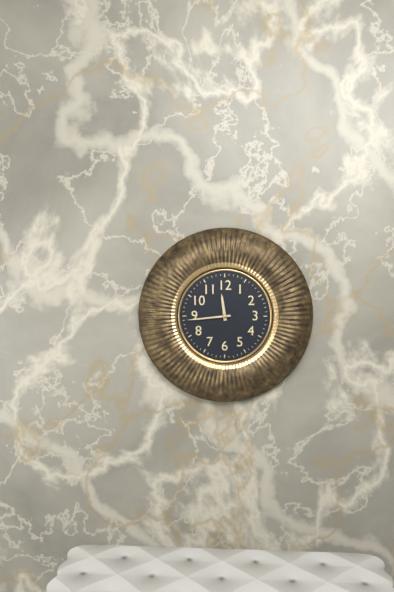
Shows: 11h44
